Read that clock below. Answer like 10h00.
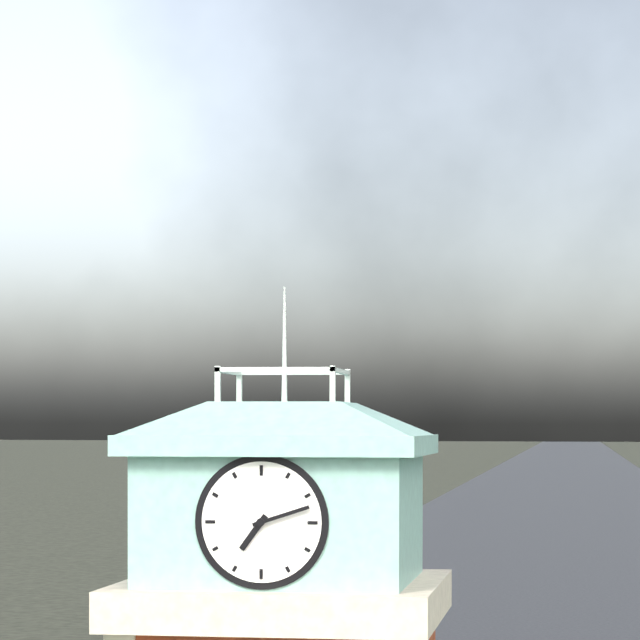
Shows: 7h12
